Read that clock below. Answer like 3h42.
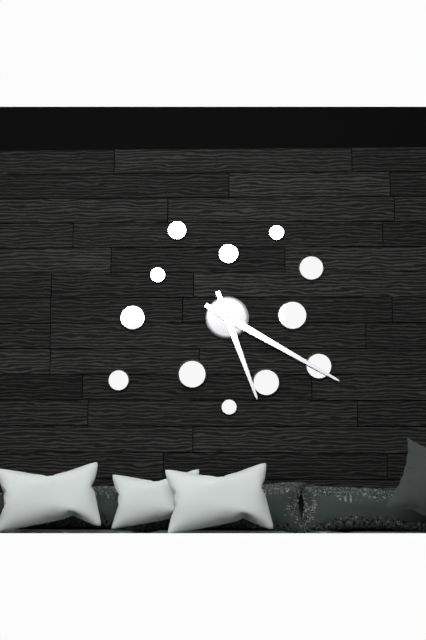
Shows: 5h20
